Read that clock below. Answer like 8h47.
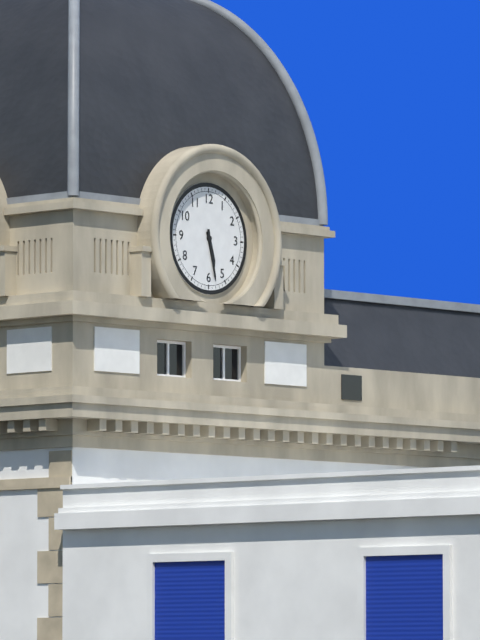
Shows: 5h28
